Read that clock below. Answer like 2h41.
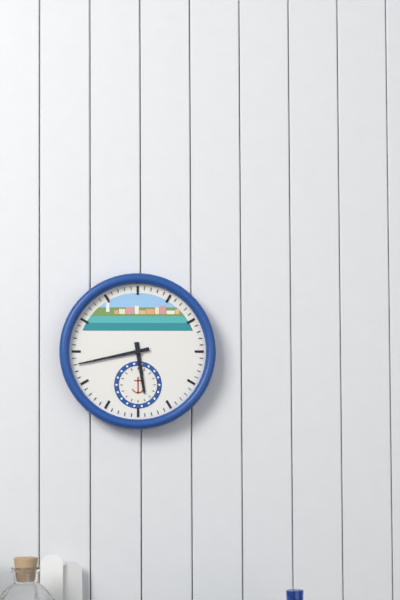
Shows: 5h43
